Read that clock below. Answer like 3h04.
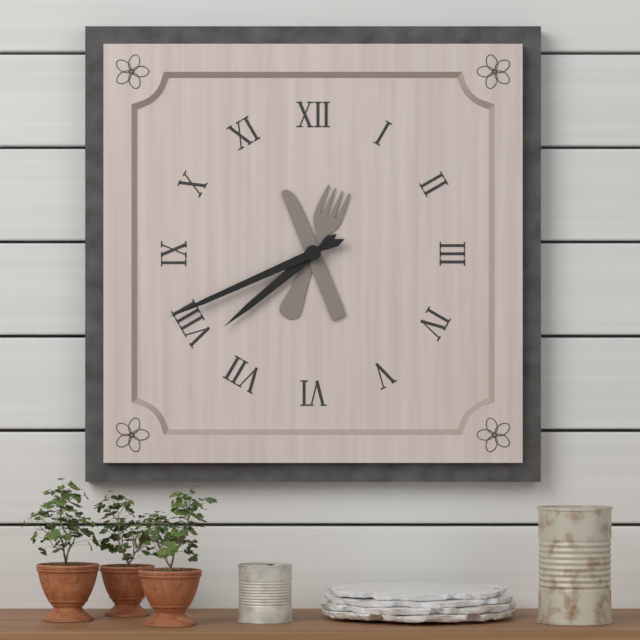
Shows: 7h41
